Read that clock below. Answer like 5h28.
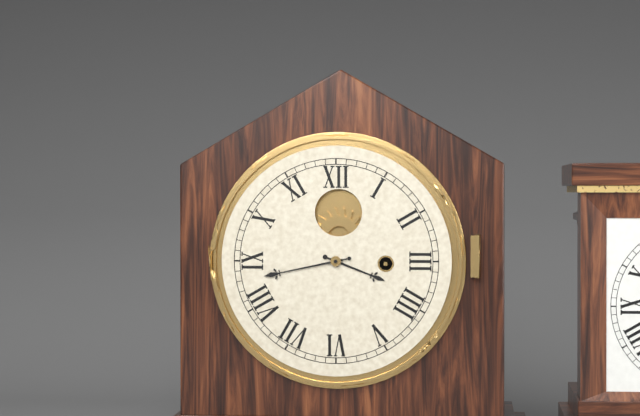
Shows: 3h43
